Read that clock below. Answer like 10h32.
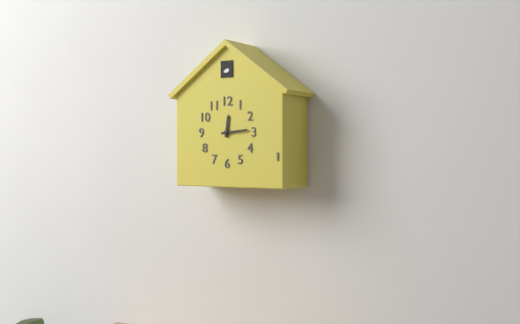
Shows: 12h14
